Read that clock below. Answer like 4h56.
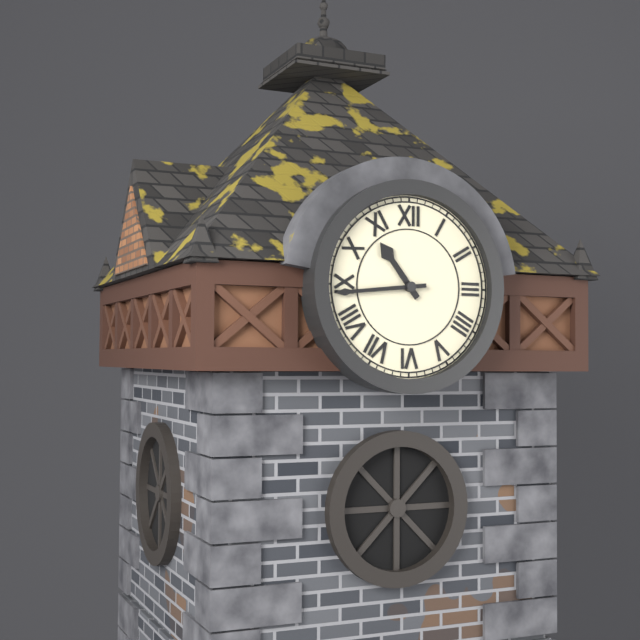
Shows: 10h44
